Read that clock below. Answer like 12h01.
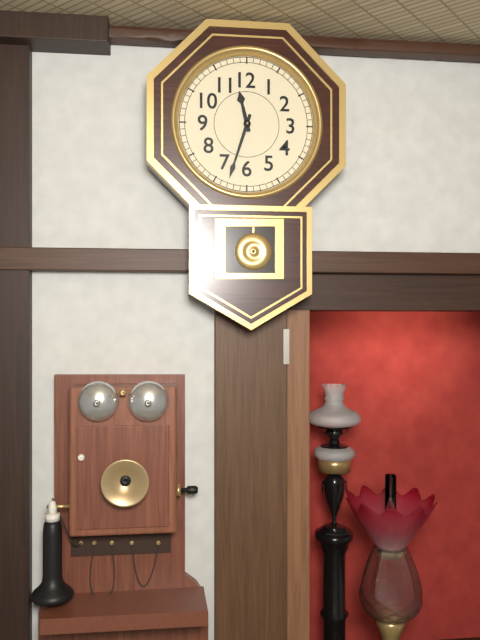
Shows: 11h33
